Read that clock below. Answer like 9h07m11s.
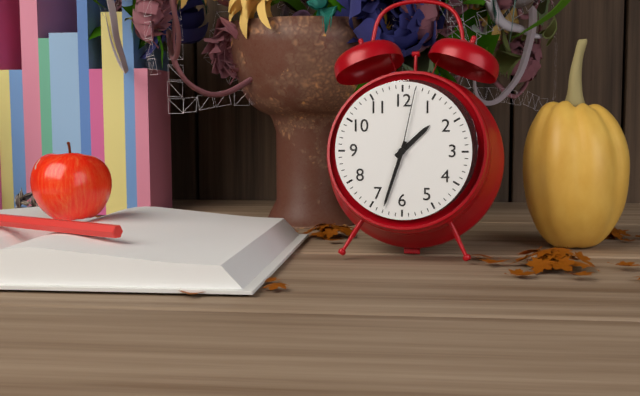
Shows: 1h33m02s
